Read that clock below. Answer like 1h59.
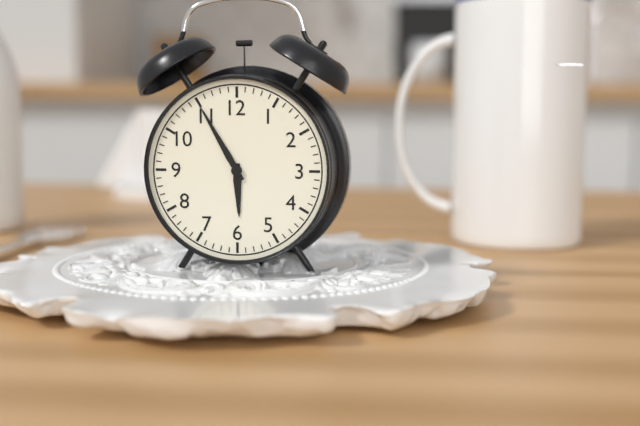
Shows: 5h55
